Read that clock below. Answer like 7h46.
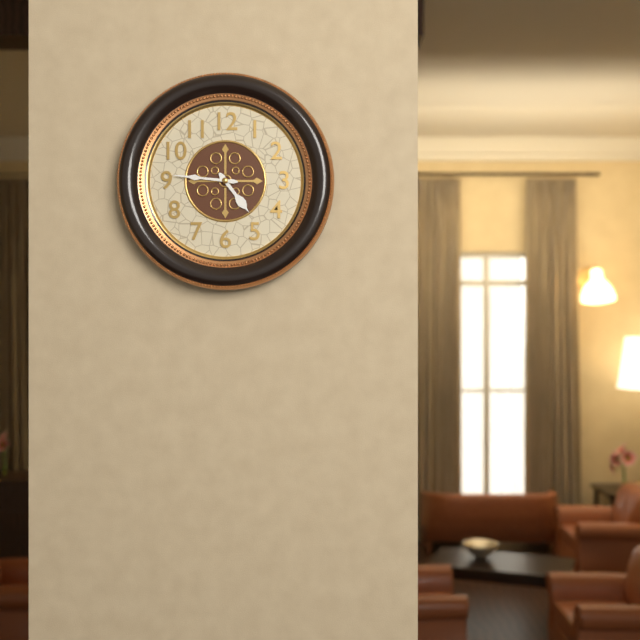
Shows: 4h46
